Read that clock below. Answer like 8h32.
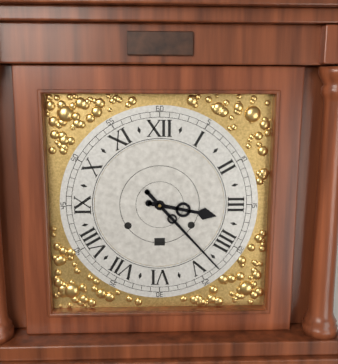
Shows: 3h23
